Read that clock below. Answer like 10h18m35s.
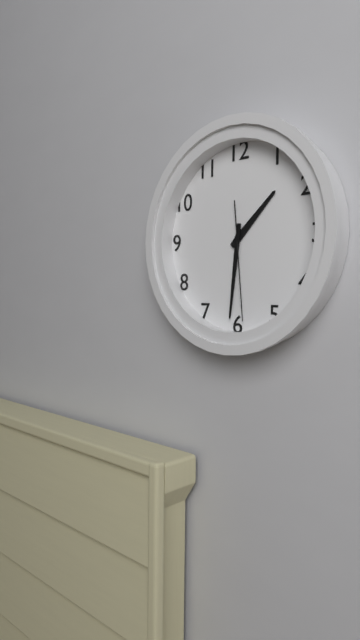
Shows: 1h31m29s
